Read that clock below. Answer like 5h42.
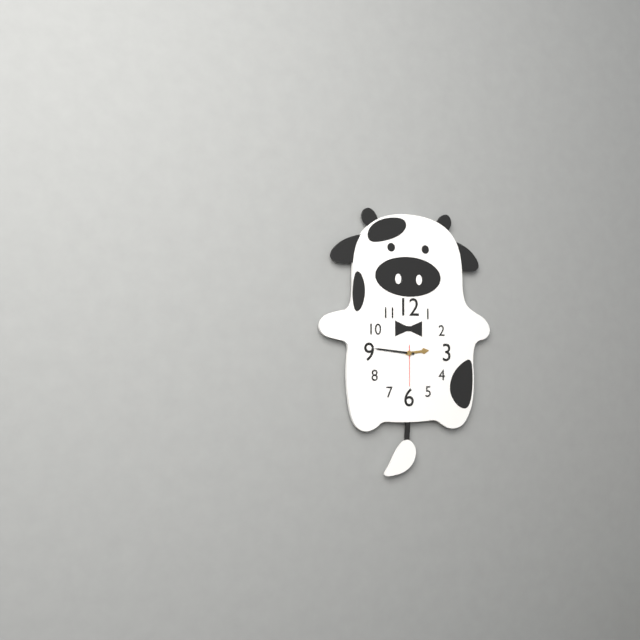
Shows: 2h46
